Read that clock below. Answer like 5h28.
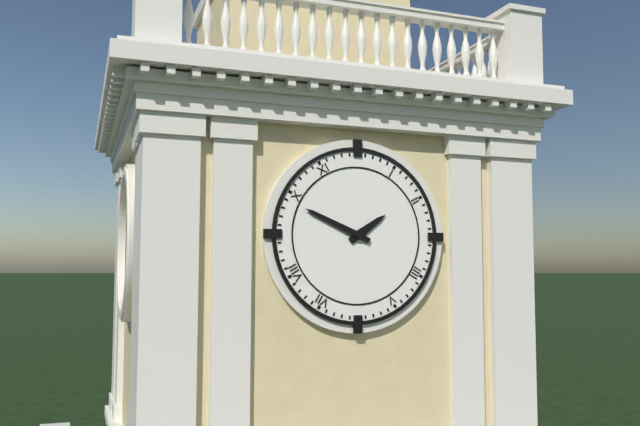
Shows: 1h49
